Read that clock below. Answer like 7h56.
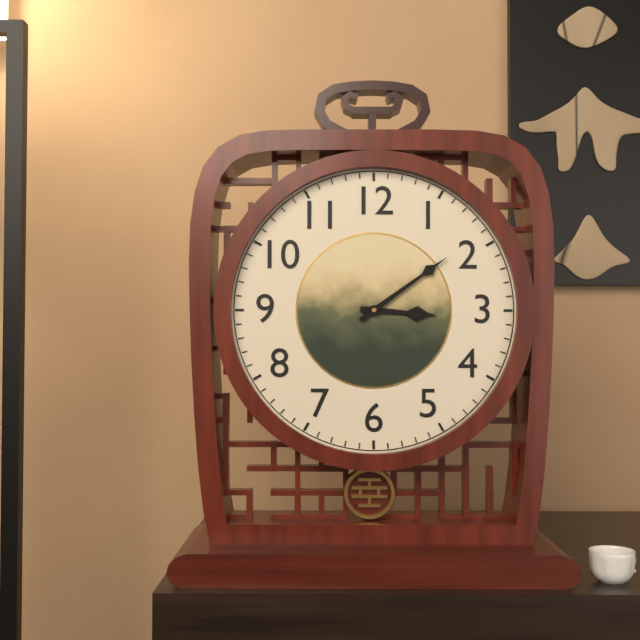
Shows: 3h09
